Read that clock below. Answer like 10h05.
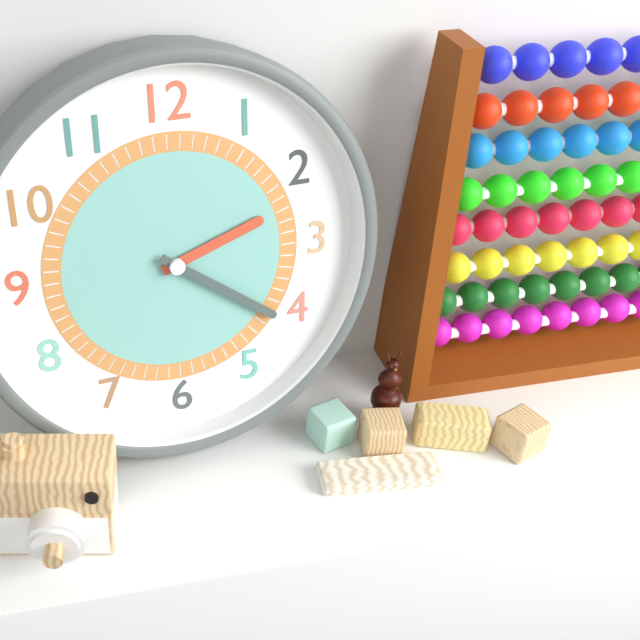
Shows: 2h21
